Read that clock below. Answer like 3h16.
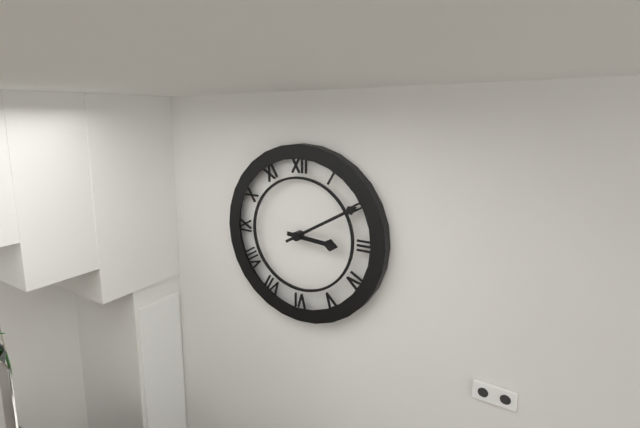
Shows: 3h10
